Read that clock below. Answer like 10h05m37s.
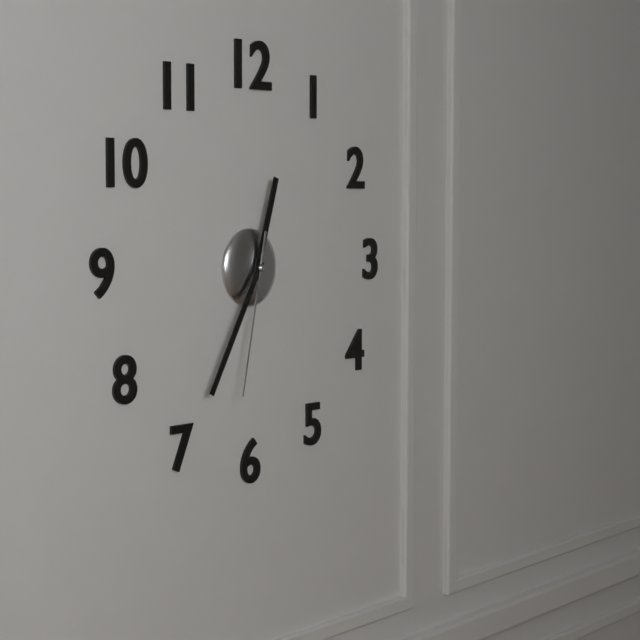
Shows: 12h35m32s
